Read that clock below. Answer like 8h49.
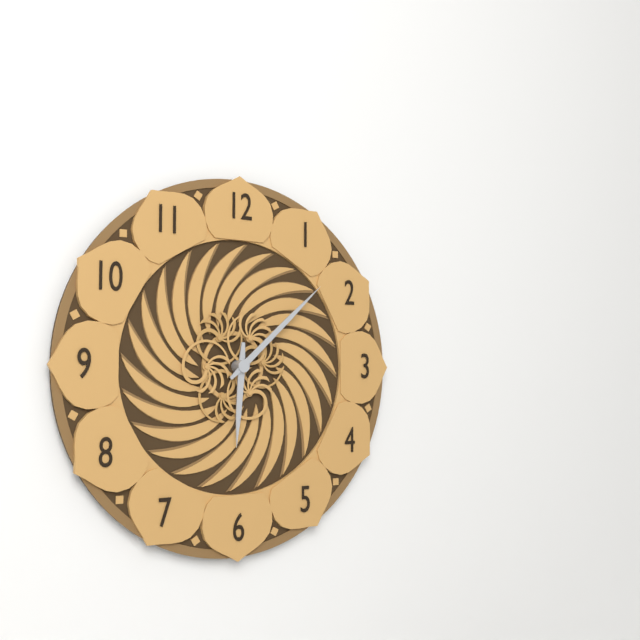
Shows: 6h08
